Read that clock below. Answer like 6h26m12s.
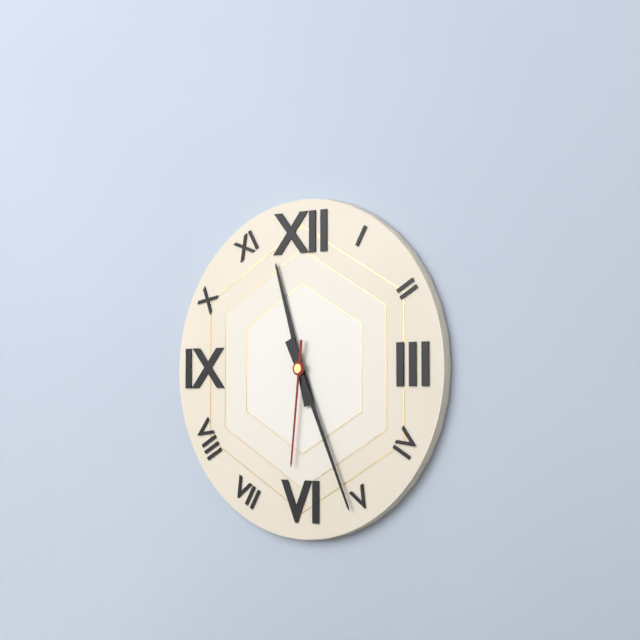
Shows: 11h26m31s
